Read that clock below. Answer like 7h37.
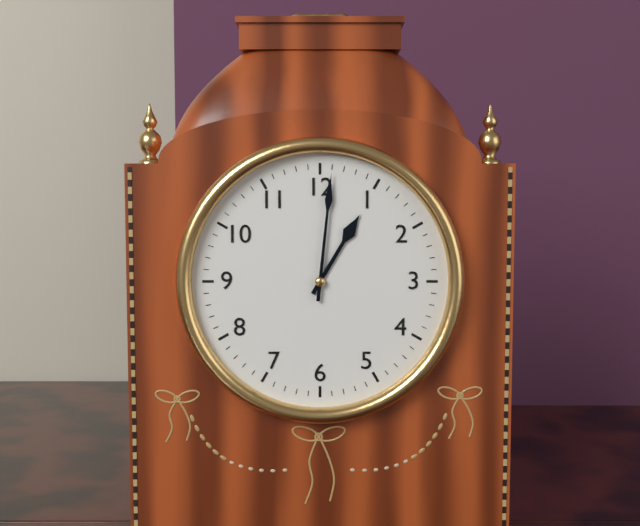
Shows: 1h01
